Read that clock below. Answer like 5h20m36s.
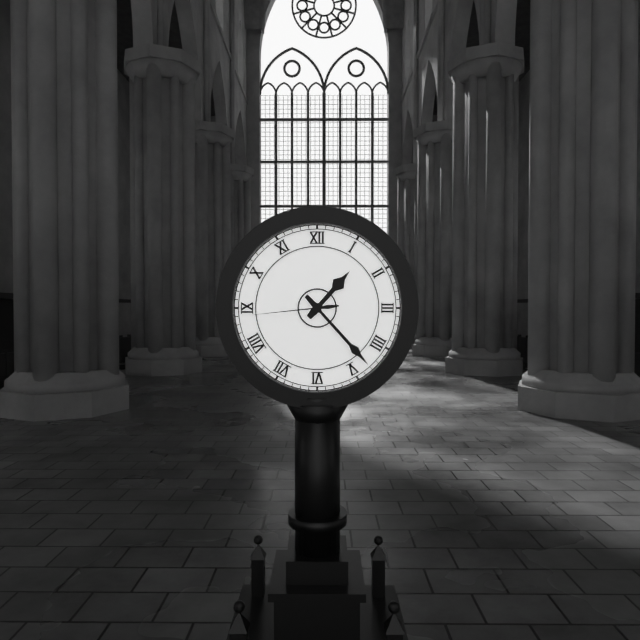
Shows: 1h23m44s
